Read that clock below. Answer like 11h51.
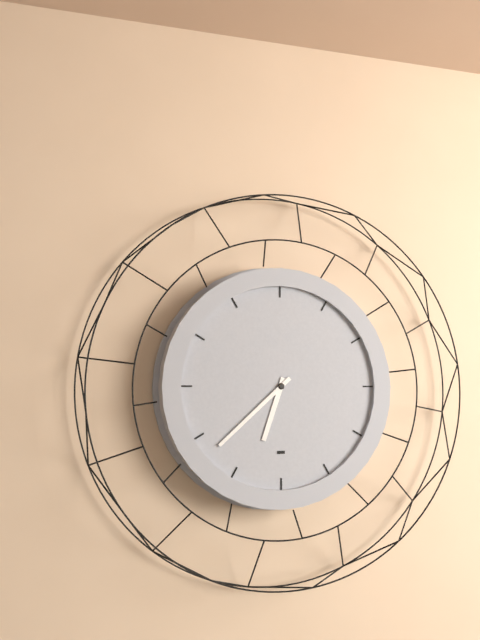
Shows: 6h38
